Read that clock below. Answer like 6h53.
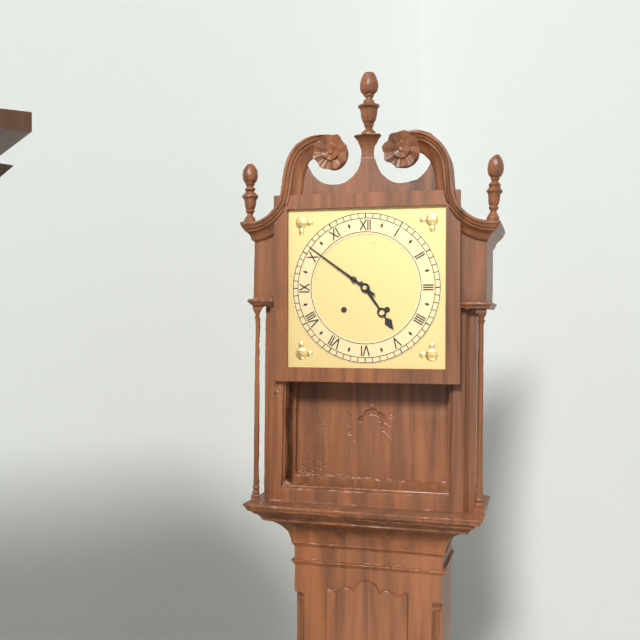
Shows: 4h51
